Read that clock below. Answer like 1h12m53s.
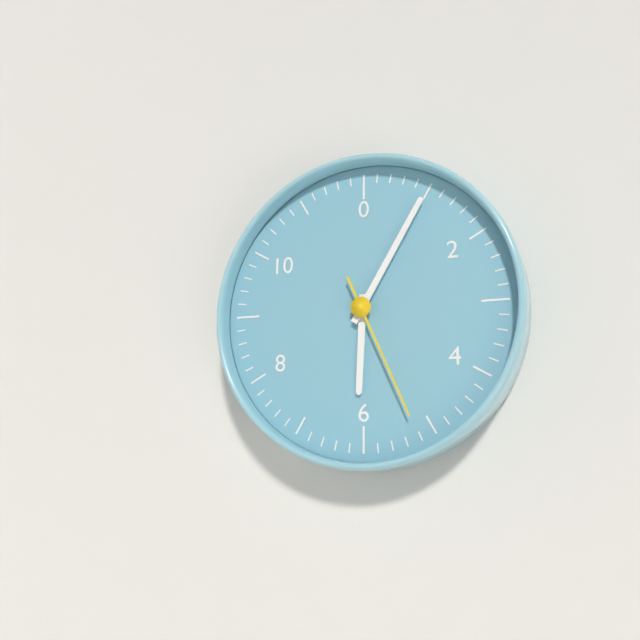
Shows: 6h05m26s
